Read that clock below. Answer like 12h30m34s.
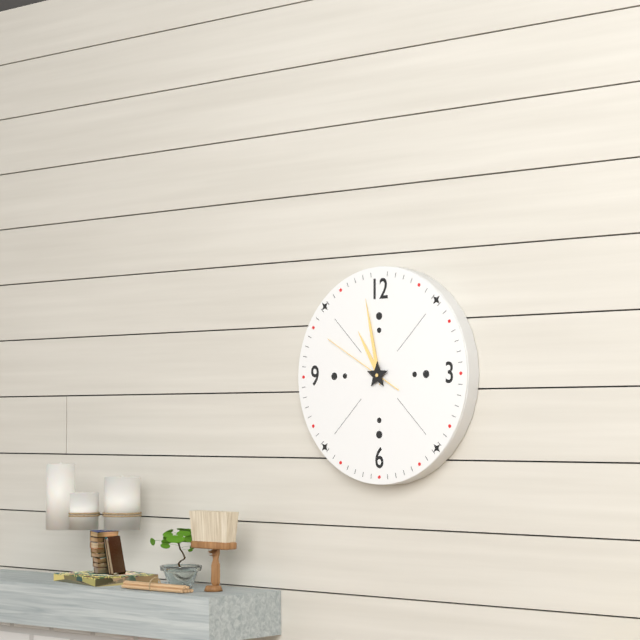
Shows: 10h58m50s
